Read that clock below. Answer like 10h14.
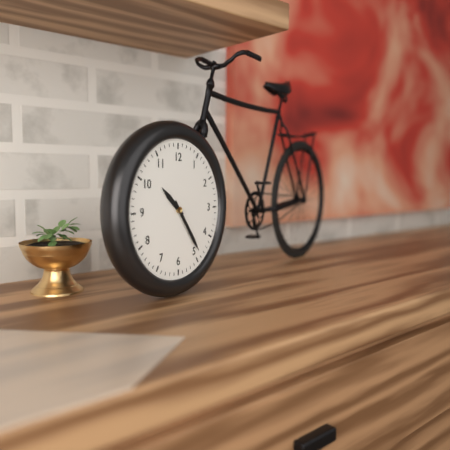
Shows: 10h24
